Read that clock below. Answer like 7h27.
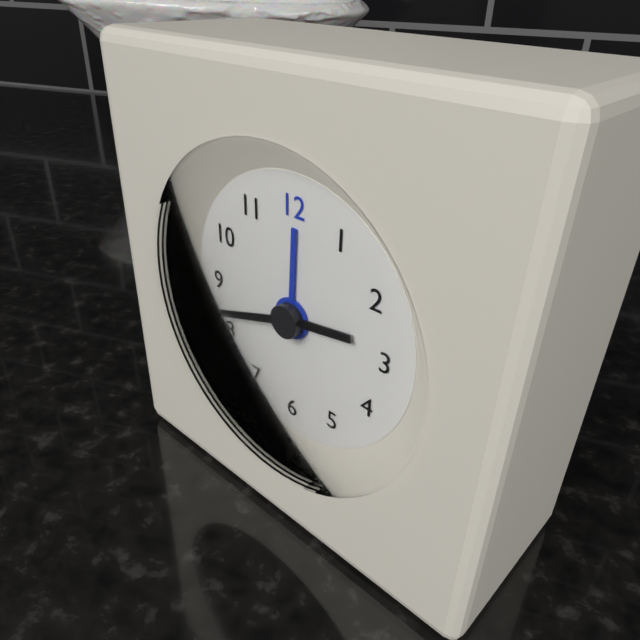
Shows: 2h42
